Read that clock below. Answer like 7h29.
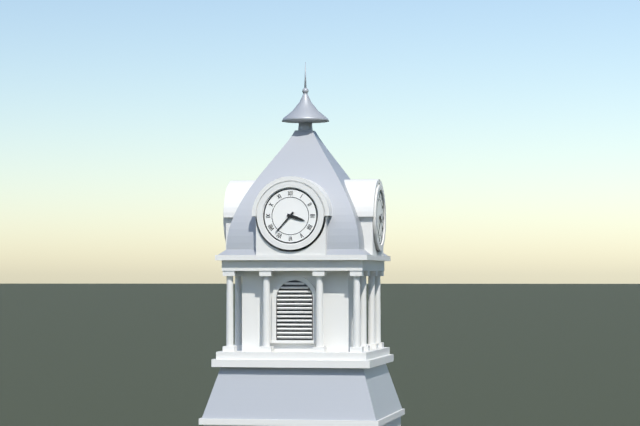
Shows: 3h37
